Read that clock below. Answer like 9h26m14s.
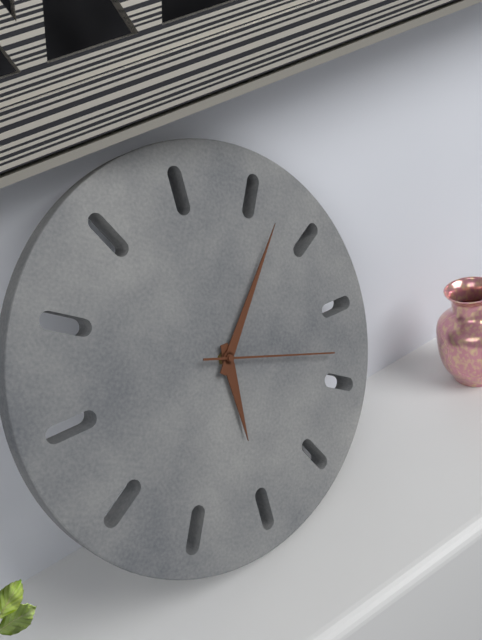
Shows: 5h02m13s
